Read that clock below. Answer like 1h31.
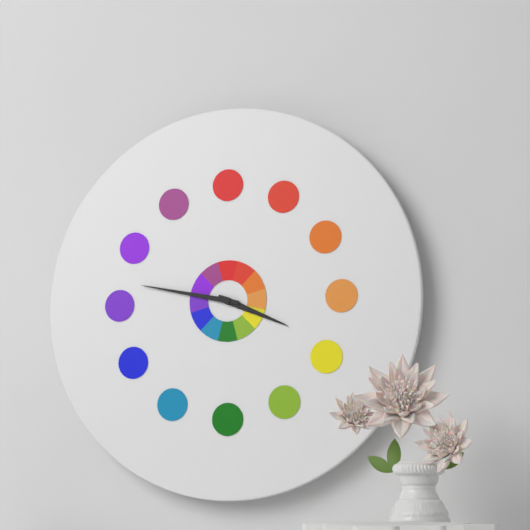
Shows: 3h47
